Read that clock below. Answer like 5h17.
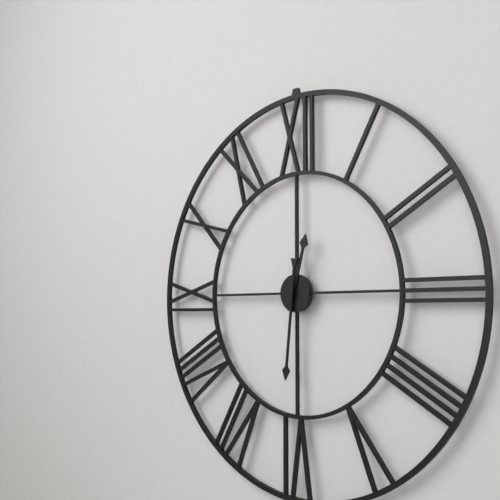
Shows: 12h31
